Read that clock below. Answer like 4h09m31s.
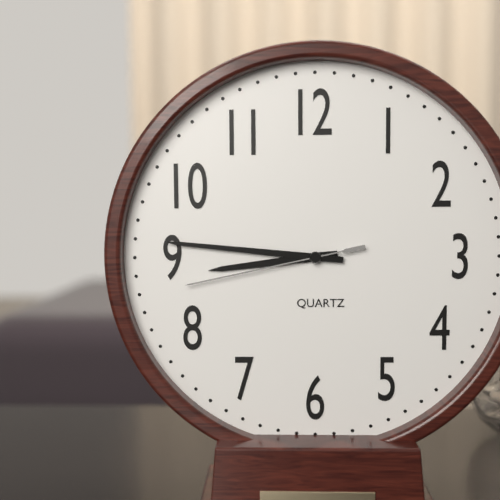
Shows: 8h46m43s
